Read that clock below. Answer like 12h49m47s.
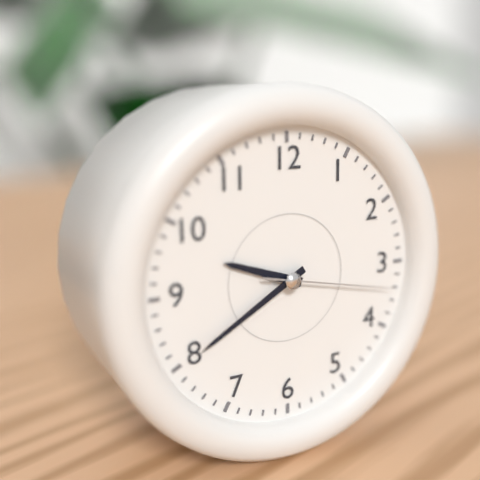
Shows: 9h40m17s
